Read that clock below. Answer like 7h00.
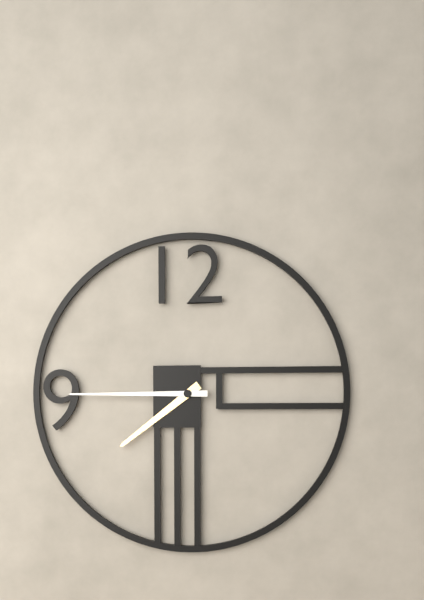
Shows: 7h45
